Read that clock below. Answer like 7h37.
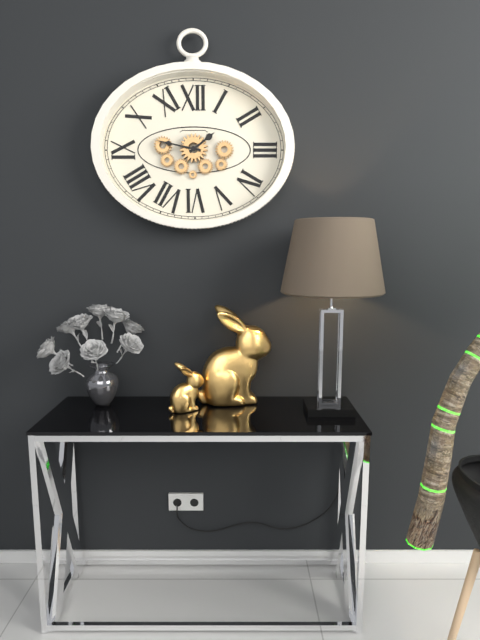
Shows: 1h47
